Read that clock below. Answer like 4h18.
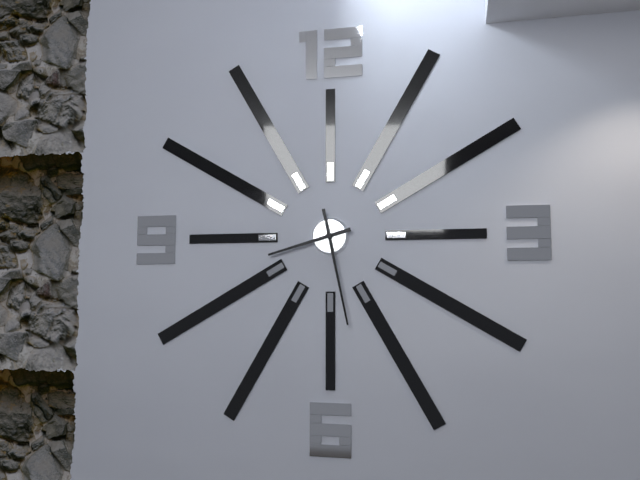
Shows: 8h28
